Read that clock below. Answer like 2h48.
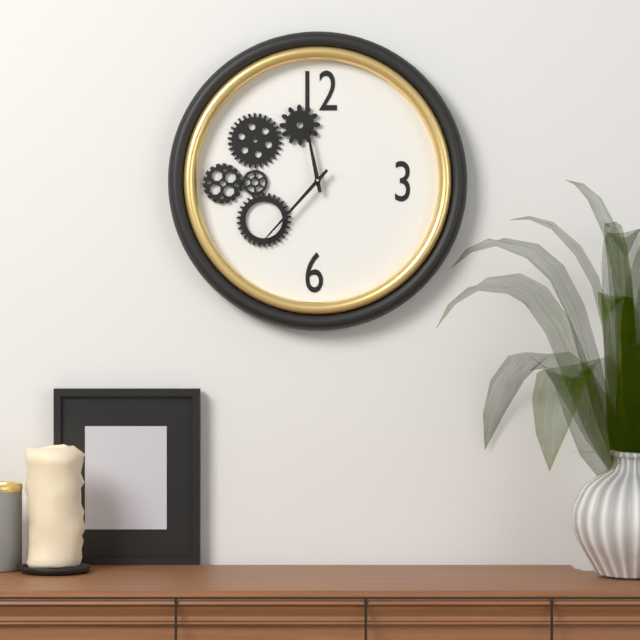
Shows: 11h37
